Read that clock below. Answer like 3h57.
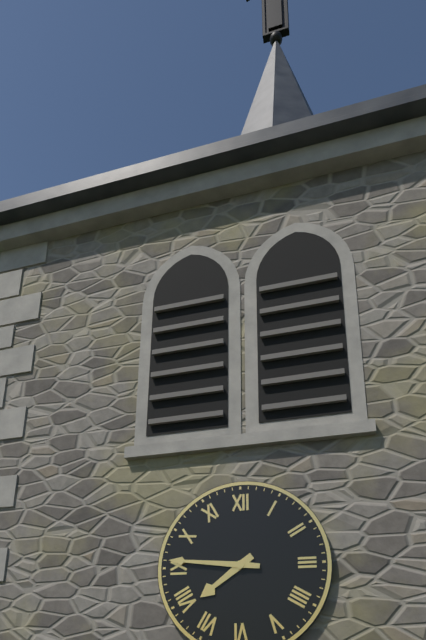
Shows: 7h46
